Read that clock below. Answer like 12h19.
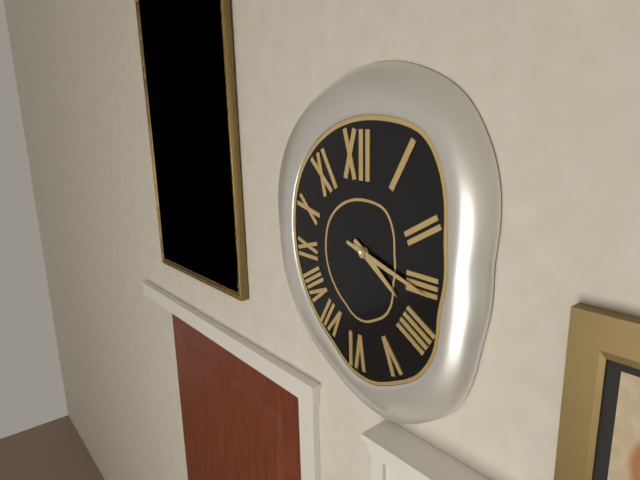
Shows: 4h18
